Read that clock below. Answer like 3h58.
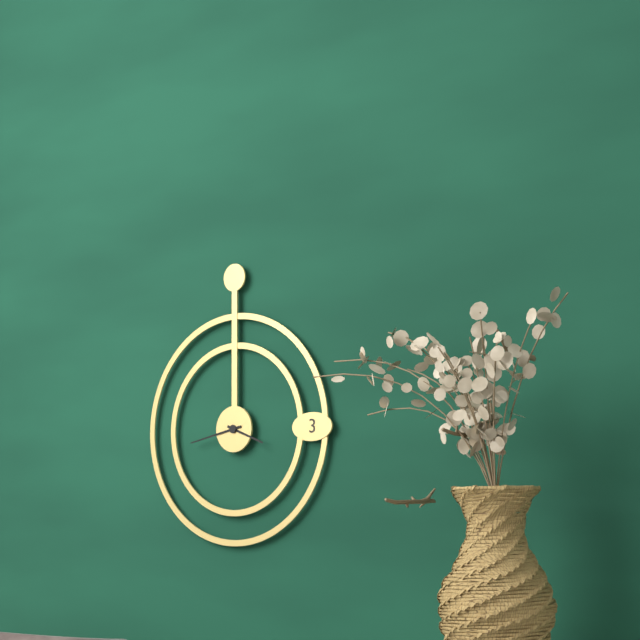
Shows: 3h43
